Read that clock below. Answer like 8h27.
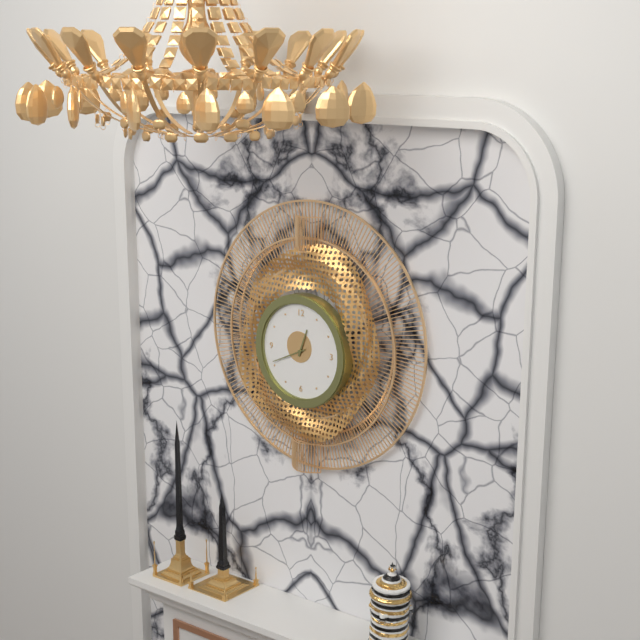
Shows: 12h41
